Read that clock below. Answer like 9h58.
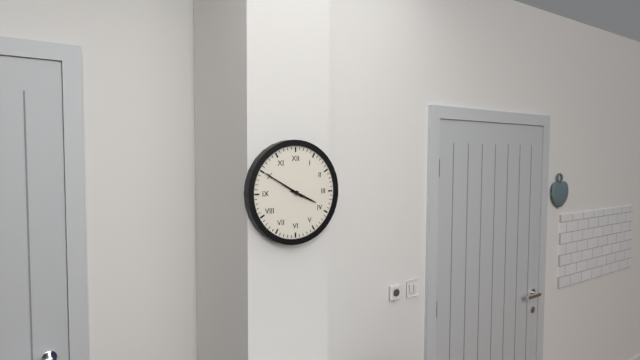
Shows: 3h50
